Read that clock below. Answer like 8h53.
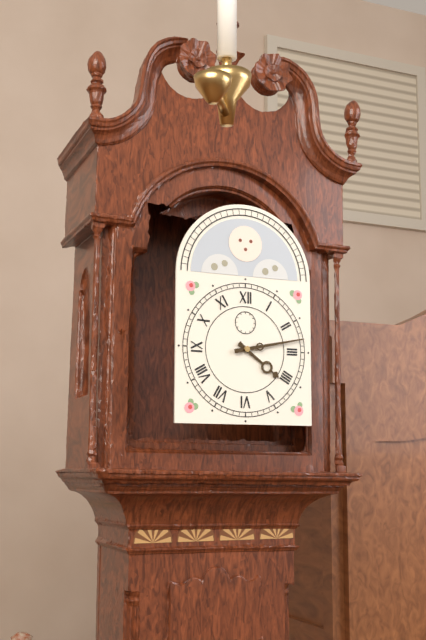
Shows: 4h13
